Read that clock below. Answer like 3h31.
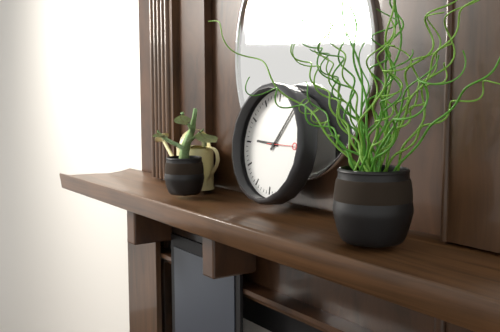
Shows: 9h06
